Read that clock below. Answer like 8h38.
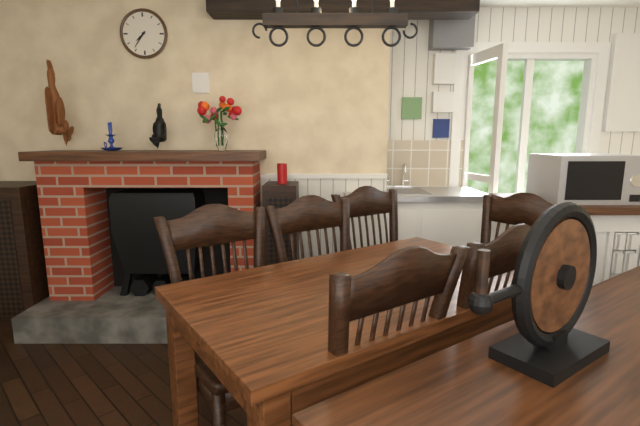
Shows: 7h36
